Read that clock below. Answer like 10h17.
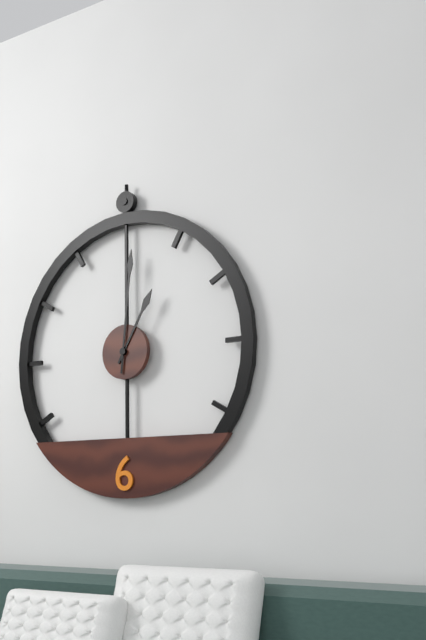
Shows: 1h01
